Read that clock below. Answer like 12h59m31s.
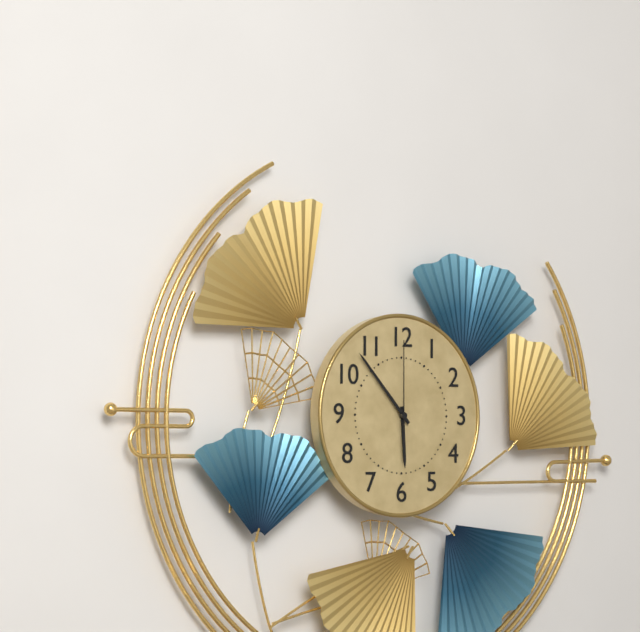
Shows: 5h53m00s
